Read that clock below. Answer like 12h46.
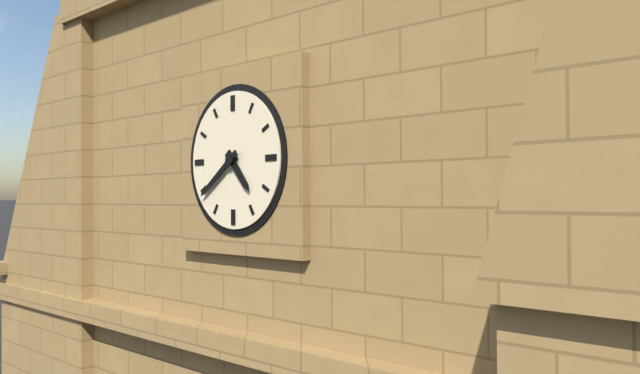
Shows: 4h39
